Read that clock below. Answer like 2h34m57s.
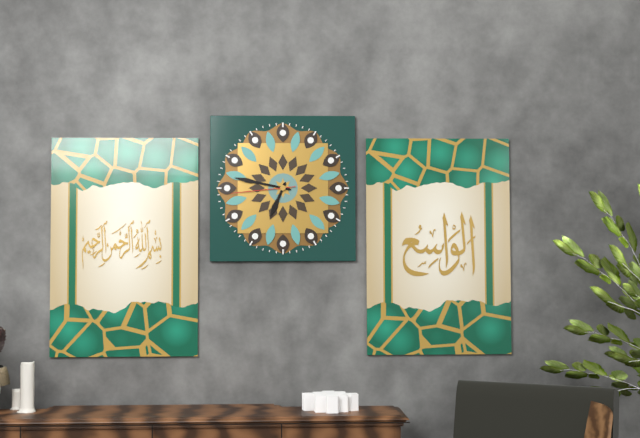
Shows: 6h47m44s
